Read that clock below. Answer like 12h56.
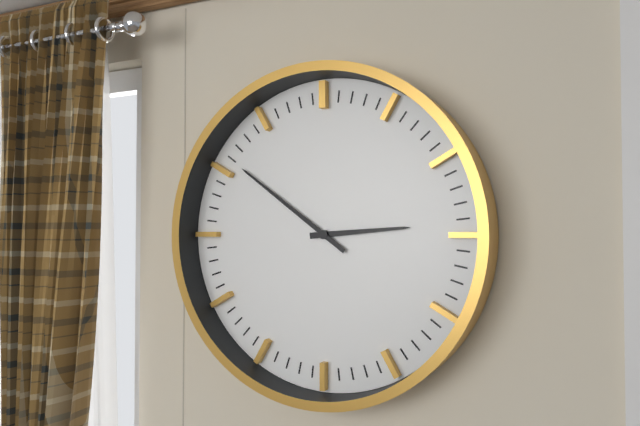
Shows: 2h51
